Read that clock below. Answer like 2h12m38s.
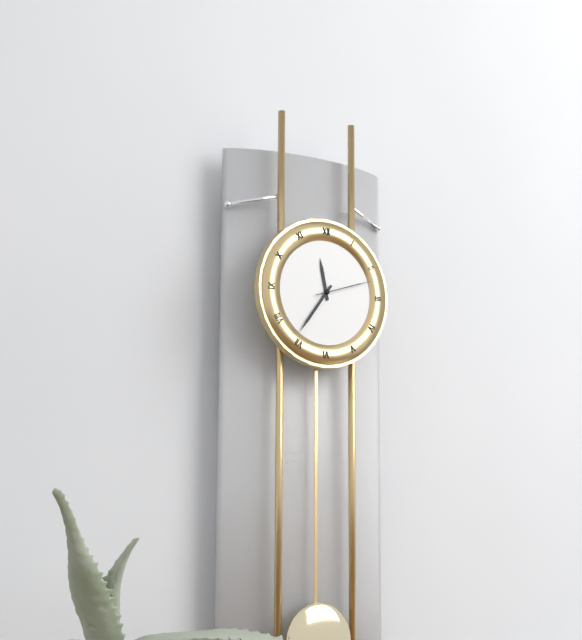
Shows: 11h36m12s
